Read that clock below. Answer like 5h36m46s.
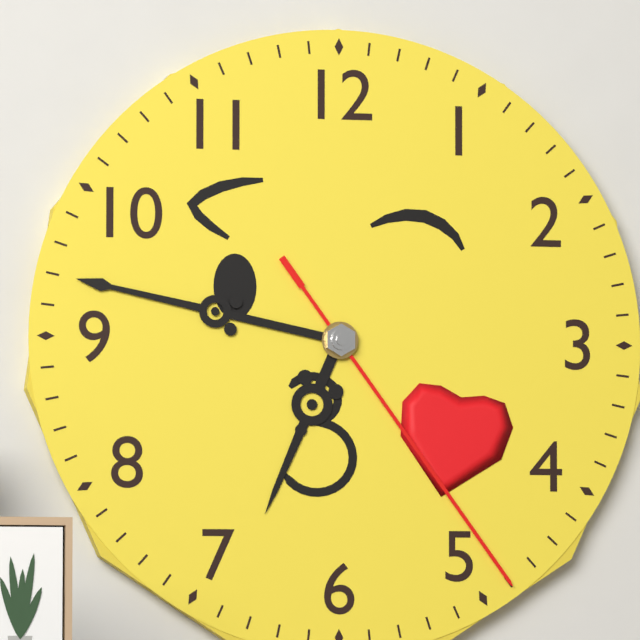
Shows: 6h47m24s
